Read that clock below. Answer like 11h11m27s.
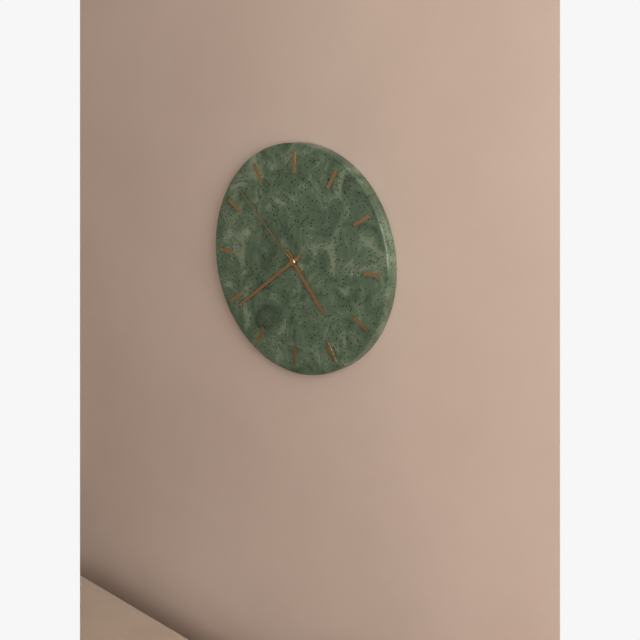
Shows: 4h39m52s
